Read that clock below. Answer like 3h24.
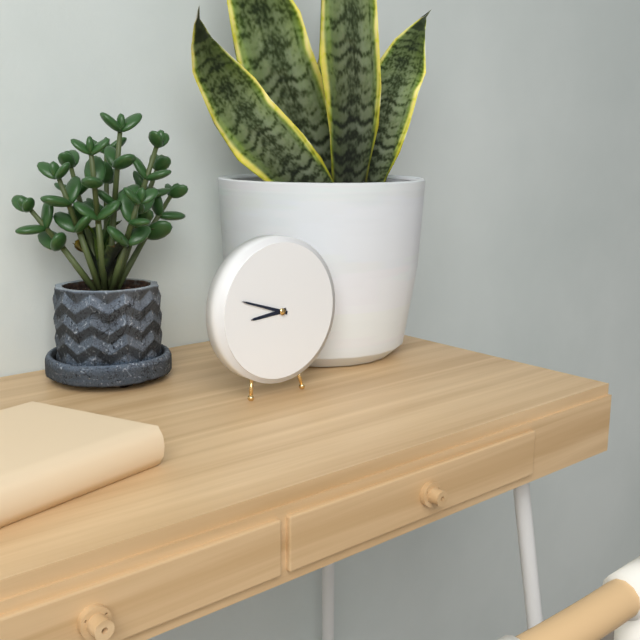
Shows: 8h48
